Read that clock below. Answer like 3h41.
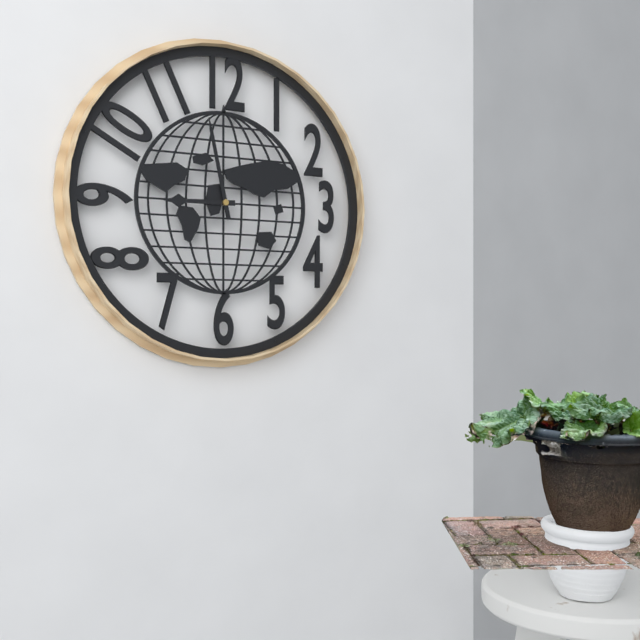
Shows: 8h58
